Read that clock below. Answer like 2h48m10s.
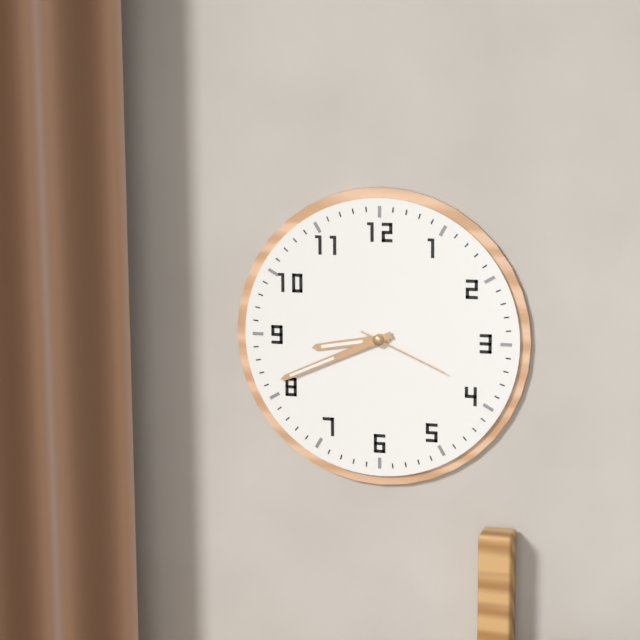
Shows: 8h41m19s
